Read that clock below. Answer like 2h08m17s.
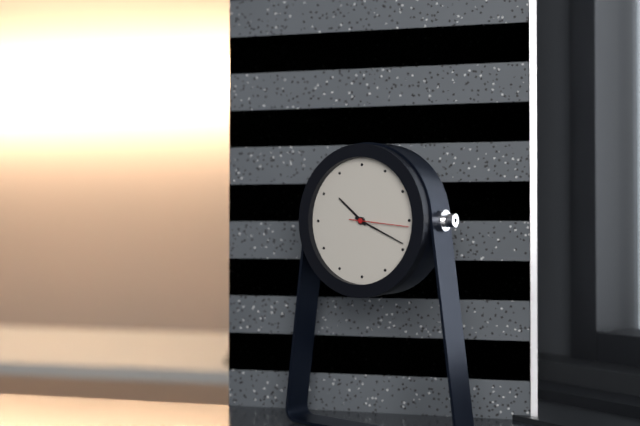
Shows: 10h19m16s
